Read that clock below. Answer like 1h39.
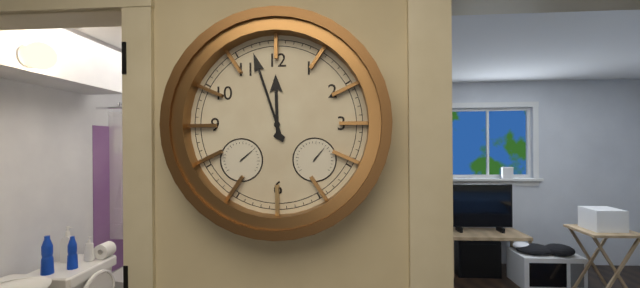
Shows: 11h57
